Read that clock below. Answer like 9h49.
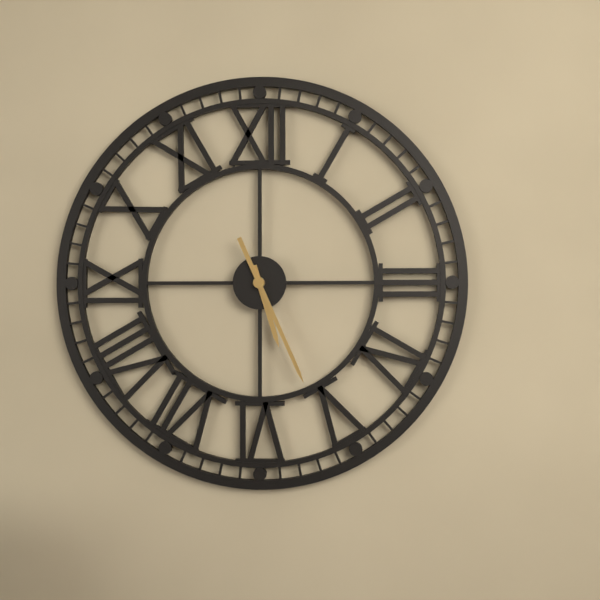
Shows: 5h26
